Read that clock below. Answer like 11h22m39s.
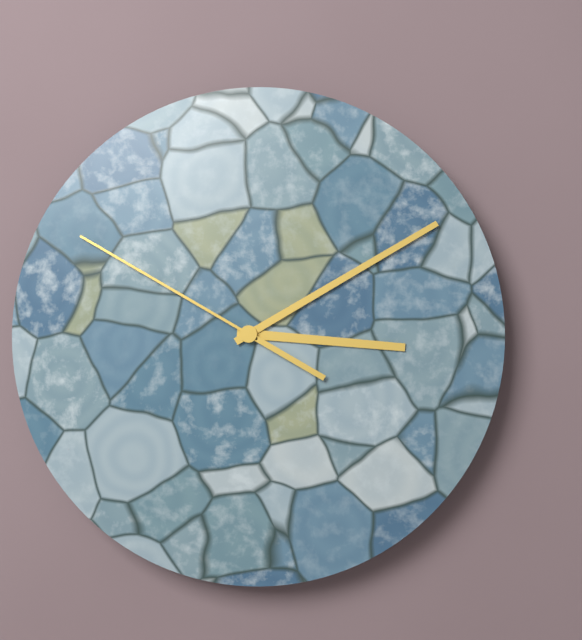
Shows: 3h10m50s
